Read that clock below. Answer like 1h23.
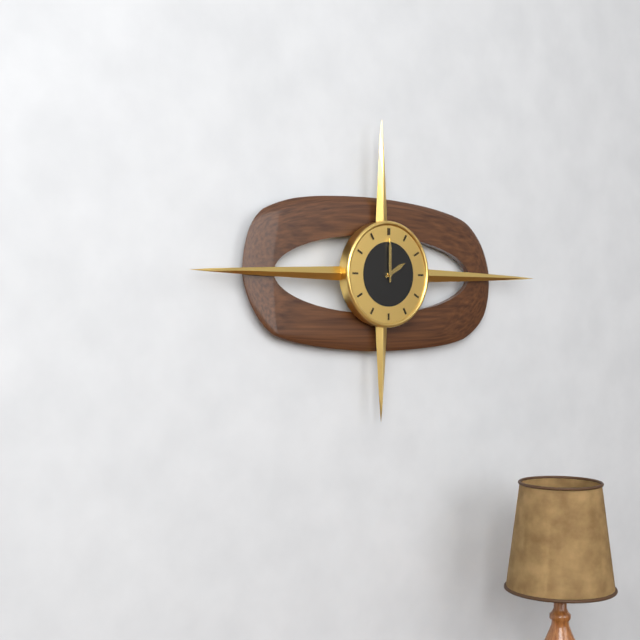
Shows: 2h00
